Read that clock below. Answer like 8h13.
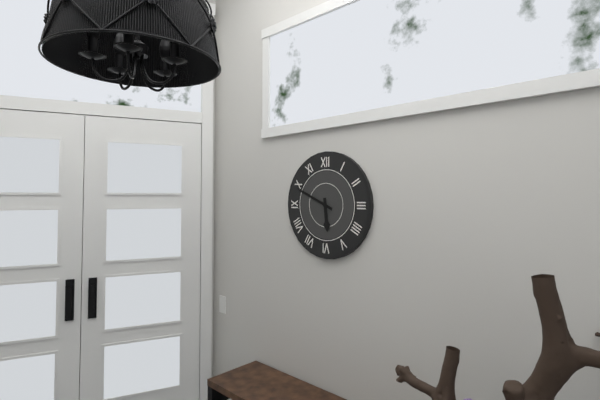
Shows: 5h49
